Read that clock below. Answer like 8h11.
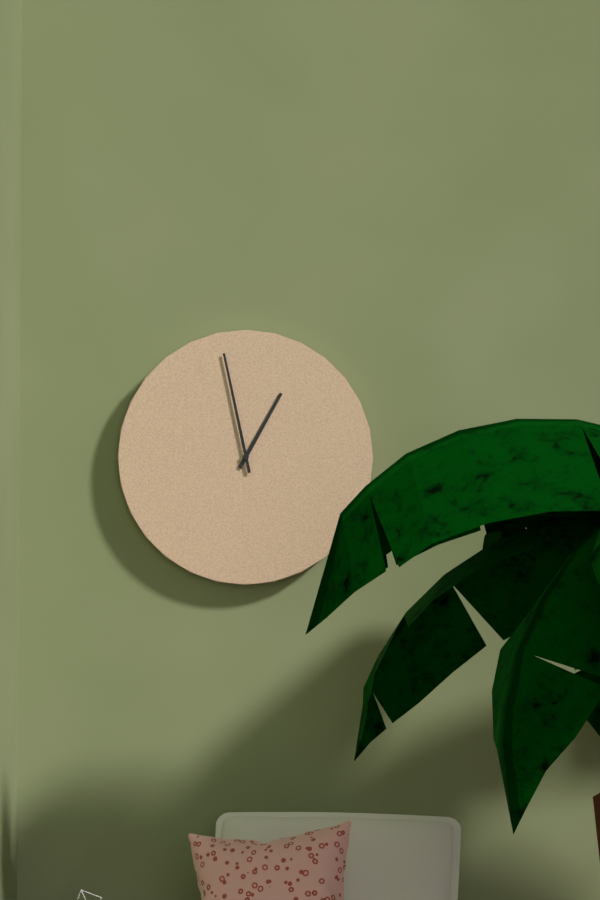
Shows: 12h58
